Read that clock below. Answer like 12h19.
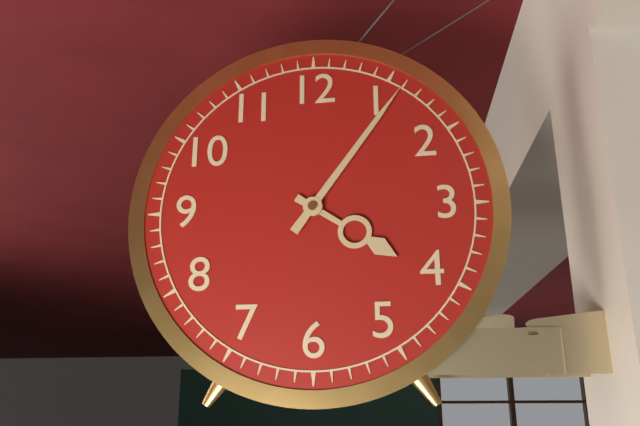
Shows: 4h06
